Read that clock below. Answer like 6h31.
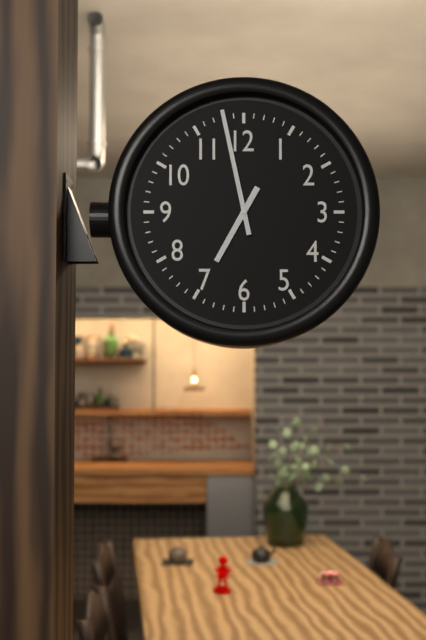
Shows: 6h58
